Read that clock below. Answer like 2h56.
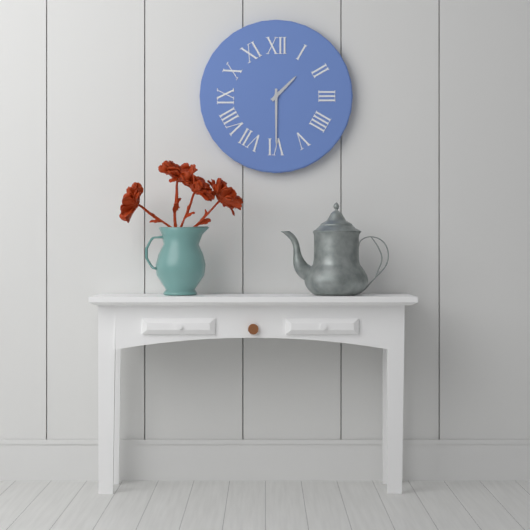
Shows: 1h30
